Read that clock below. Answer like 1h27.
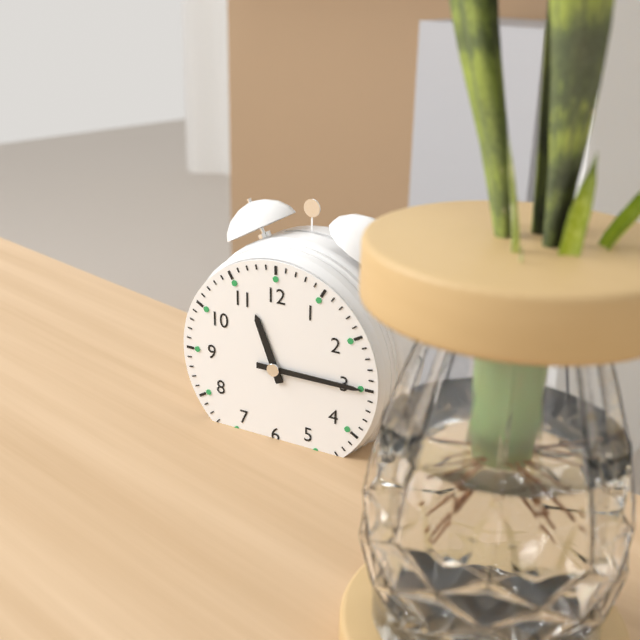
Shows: 11h15
